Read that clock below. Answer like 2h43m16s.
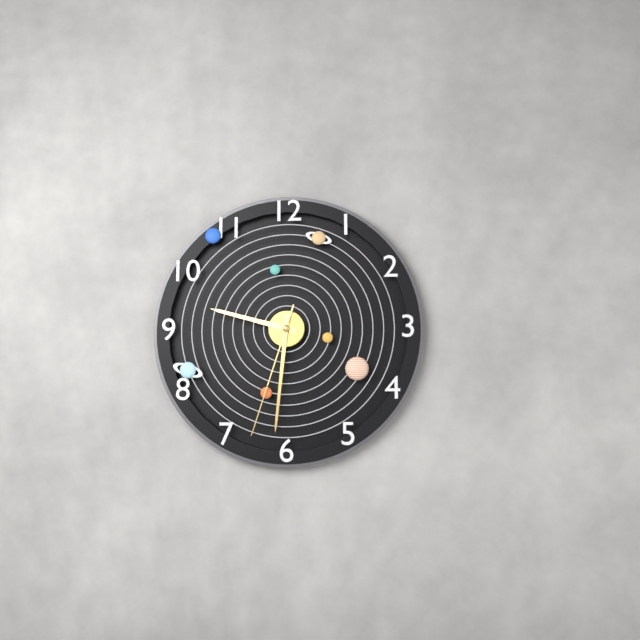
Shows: 9h31m33s
